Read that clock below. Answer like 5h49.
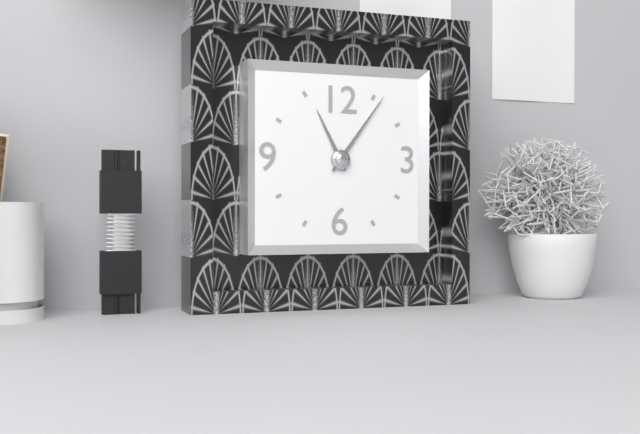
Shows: 11h06
